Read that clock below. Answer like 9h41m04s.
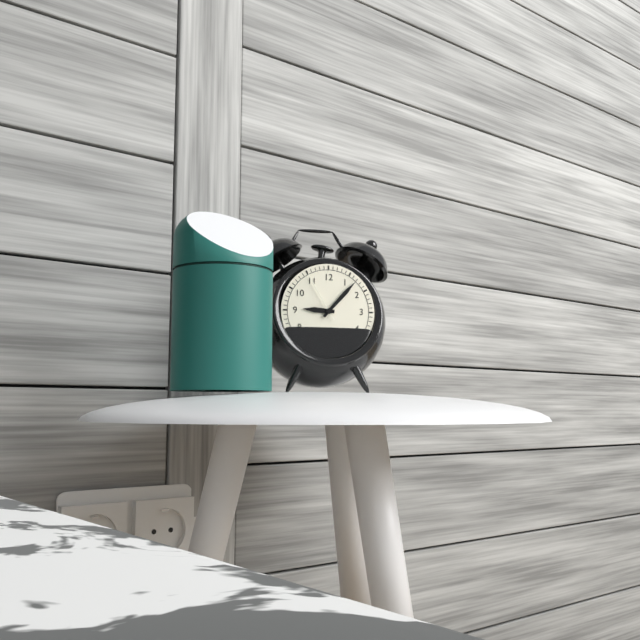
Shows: 9h07m55s
